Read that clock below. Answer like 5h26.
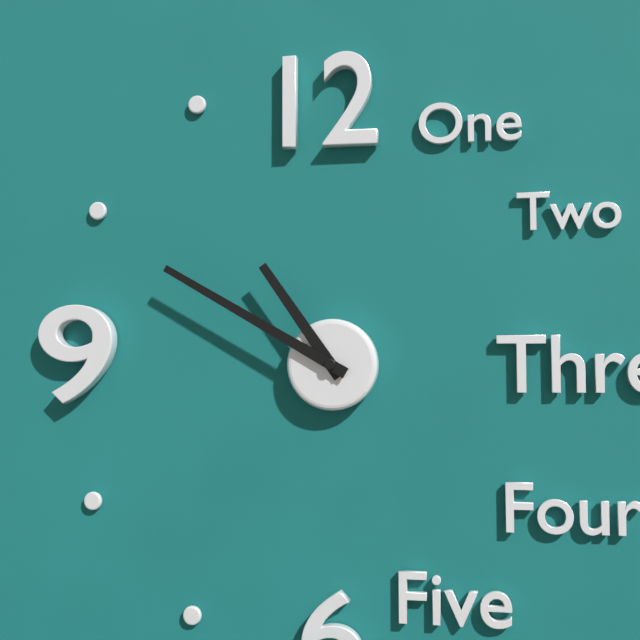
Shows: 10h50
